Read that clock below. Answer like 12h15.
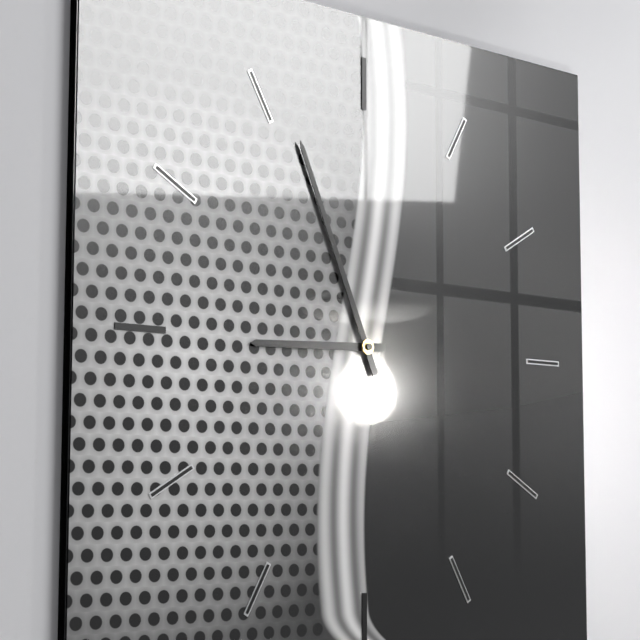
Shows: 8h56
